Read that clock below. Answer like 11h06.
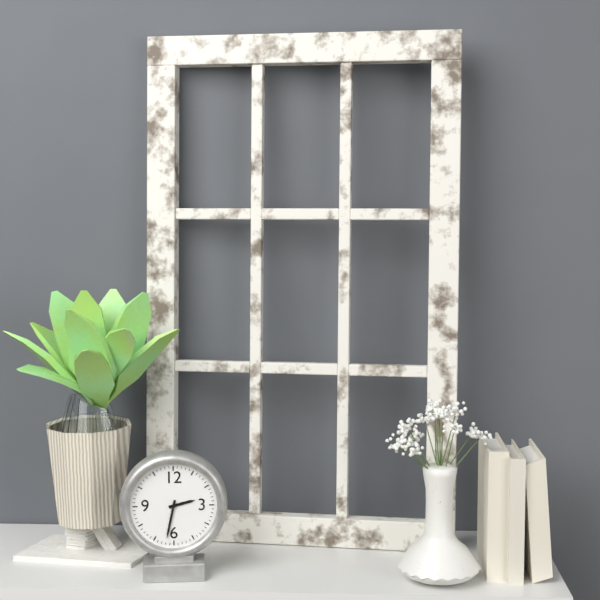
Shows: 2h32
